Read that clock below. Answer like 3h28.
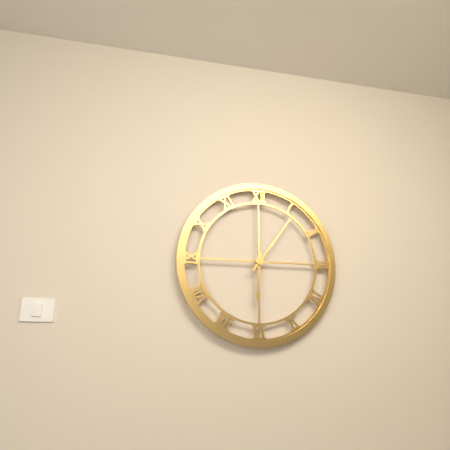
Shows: 6h06
